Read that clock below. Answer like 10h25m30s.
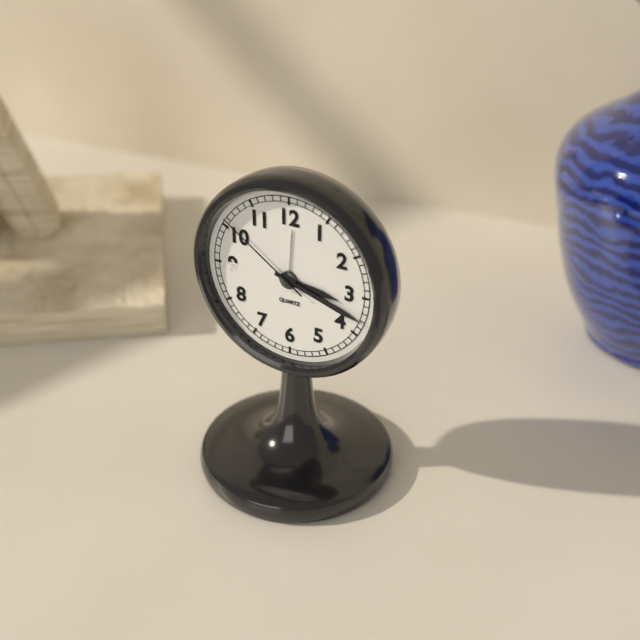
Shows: 3h18m51s
